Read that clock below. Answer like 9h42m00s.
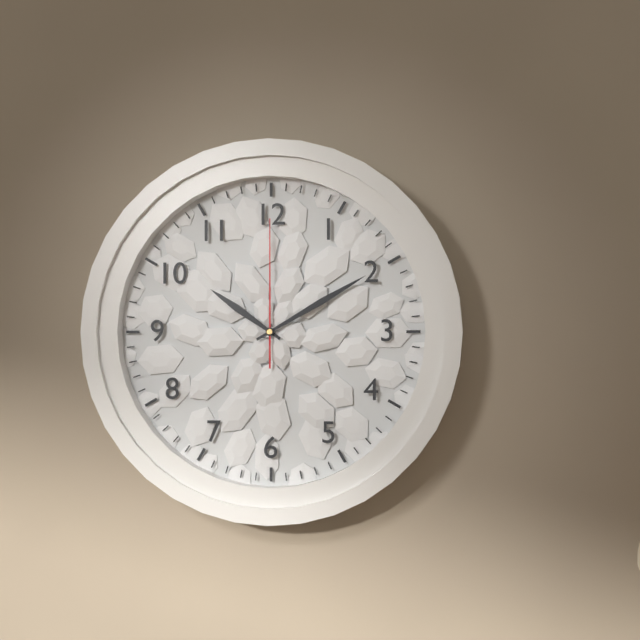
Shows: 10h10m00s
